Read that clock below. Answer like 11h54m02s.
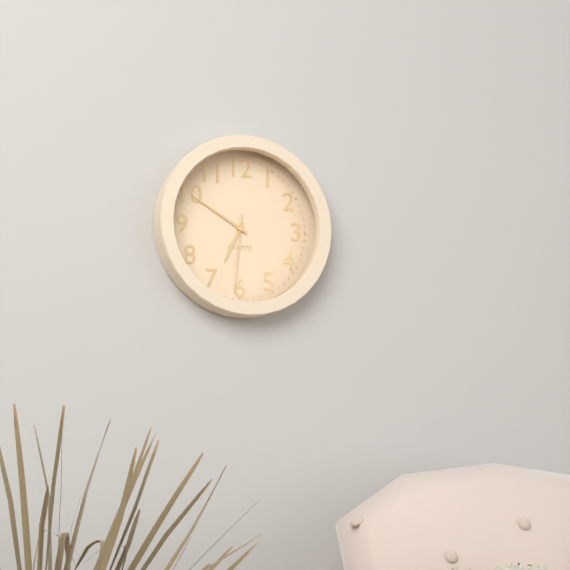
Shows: 6h50m31s
